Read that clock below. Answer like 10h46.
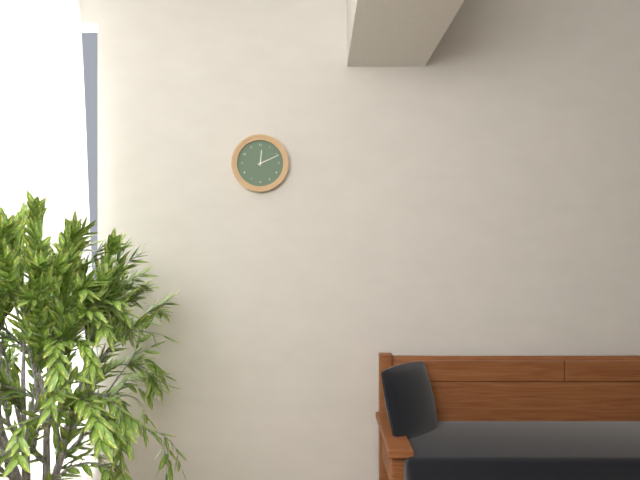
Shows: 12h11
